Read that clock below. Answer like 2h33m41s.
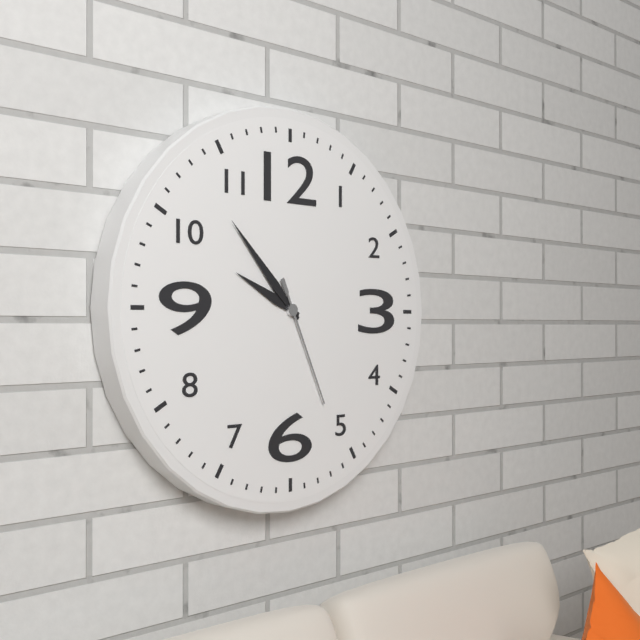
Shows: 9h53m26s
